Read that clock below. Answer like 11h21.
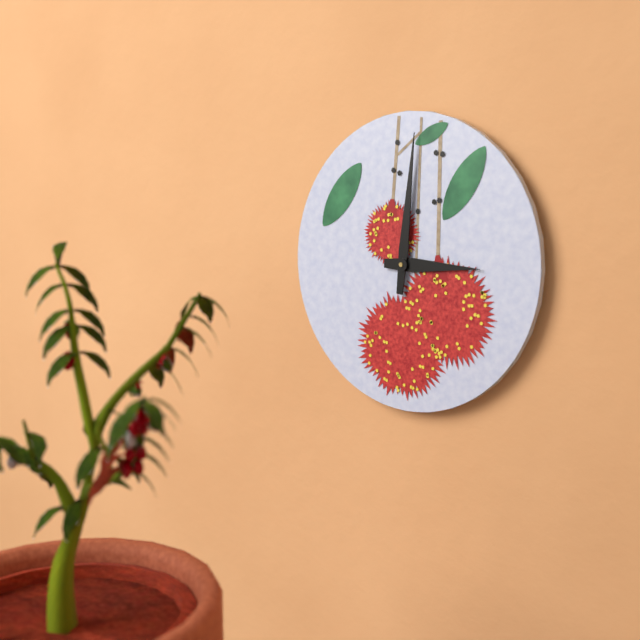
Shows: 3h01
